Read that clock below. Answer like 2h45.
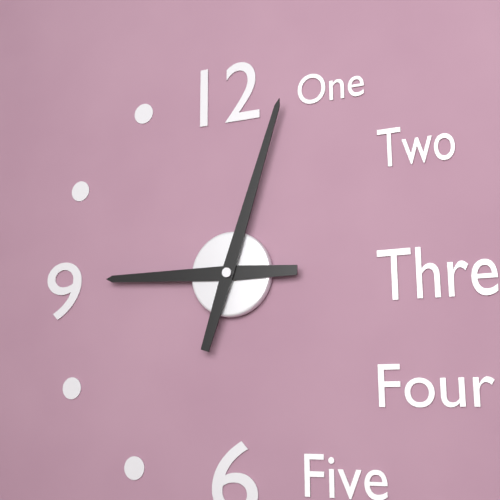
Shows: 9h03
